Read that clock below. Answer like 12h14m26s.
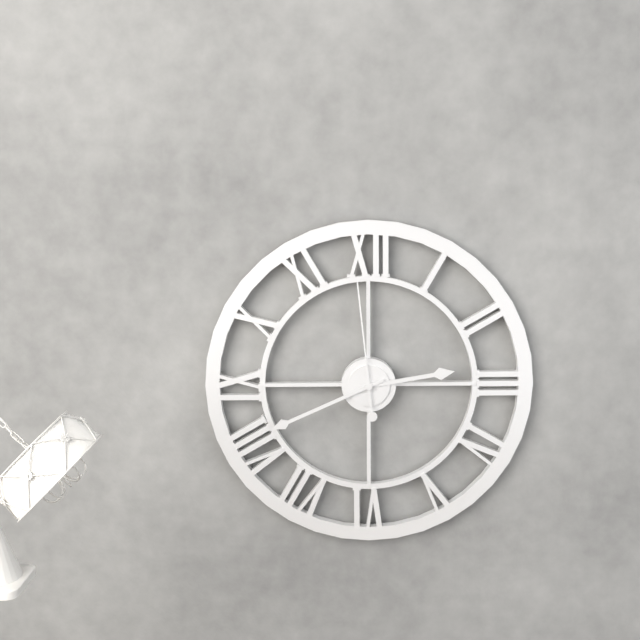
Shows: 2h41m59s
